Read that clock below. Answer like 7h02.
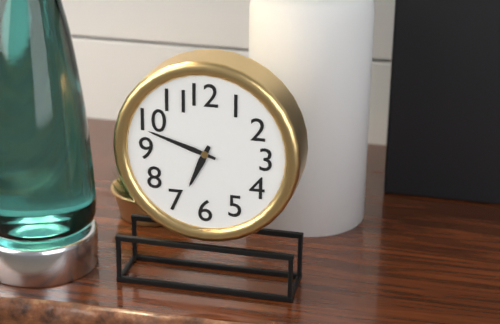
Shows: 6h48
